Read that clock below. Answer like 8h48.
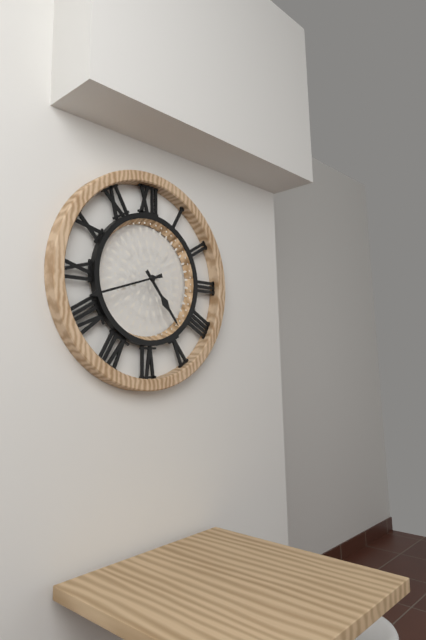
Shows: 4h42
